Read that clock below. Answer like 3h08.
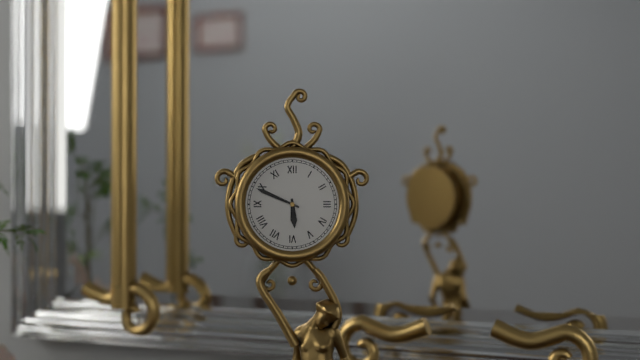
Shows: 5h49
